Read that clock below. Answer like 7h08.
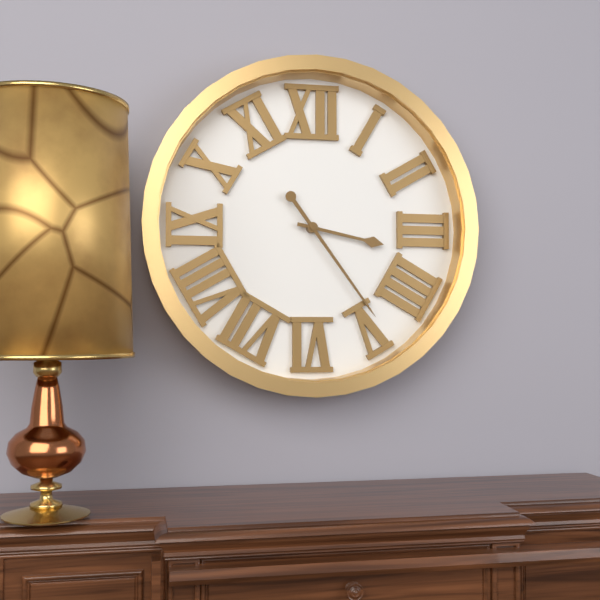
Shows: 3h24
